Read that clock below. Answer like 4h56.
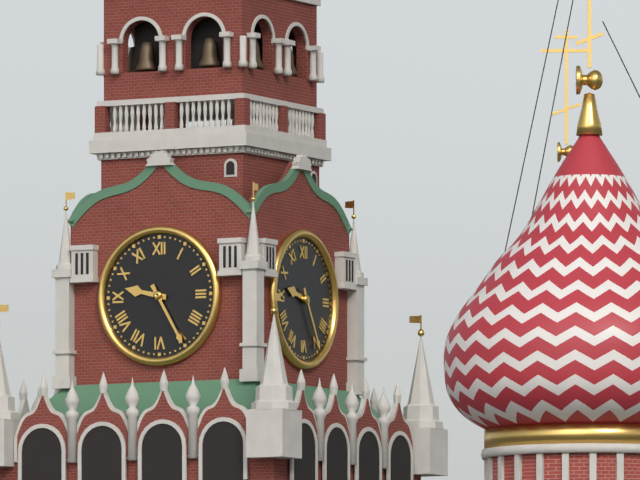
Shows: 9h25
